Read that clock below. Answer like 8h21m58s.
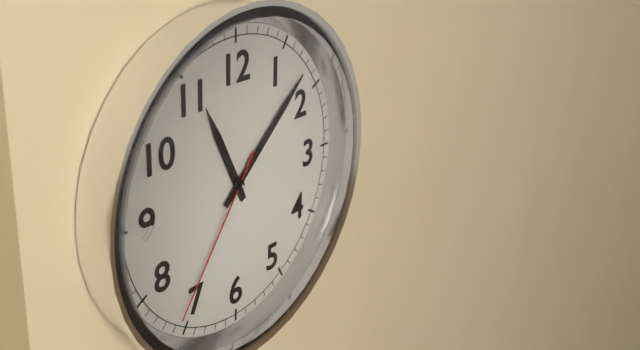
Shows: 11h08m36s
